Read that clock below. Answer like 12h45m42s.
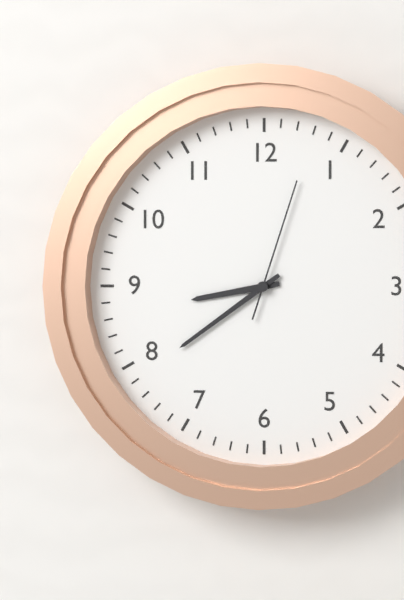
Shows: 8h39m03s
